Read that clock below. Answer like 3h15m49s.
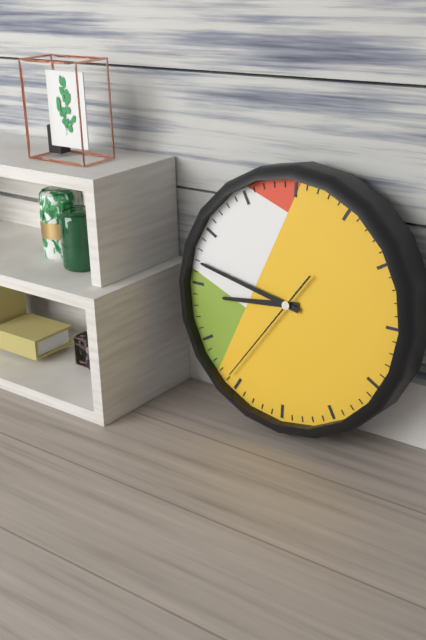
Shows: 8h47m36s
